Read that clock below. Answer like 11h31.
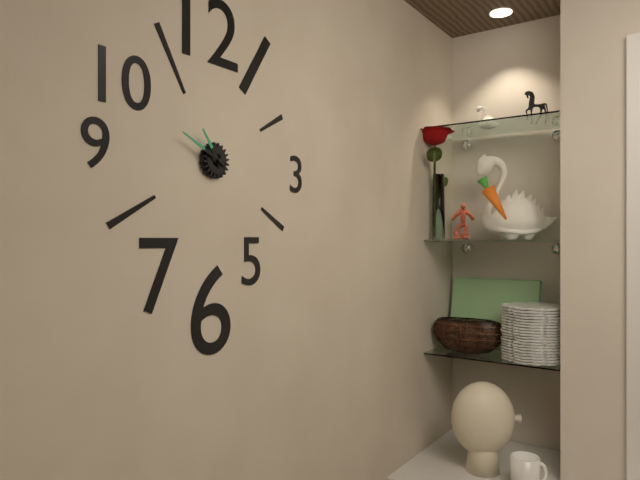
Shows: 10h49
